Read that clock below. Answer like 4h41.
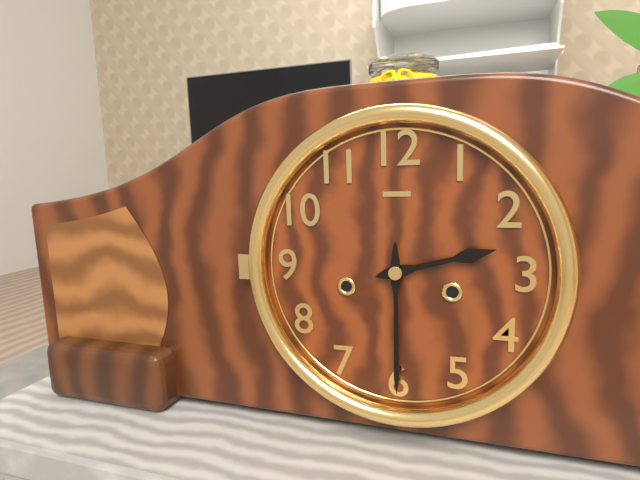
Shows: 2h30
